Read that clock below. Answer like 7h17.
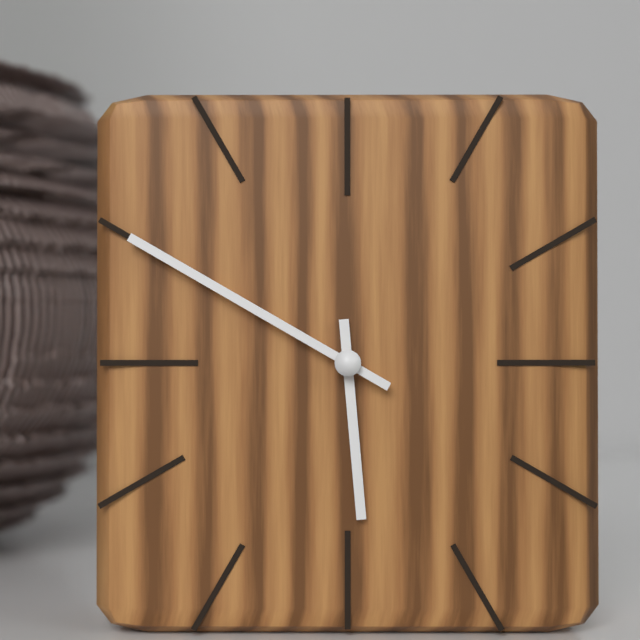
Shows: 5h50
